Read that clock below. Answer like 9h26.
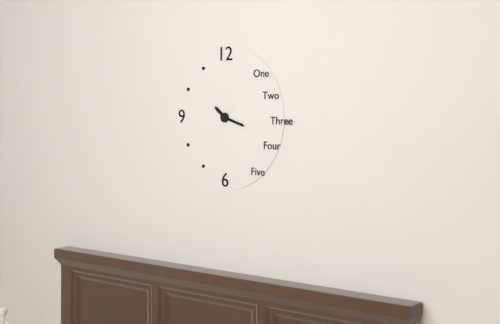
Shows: 10h18
